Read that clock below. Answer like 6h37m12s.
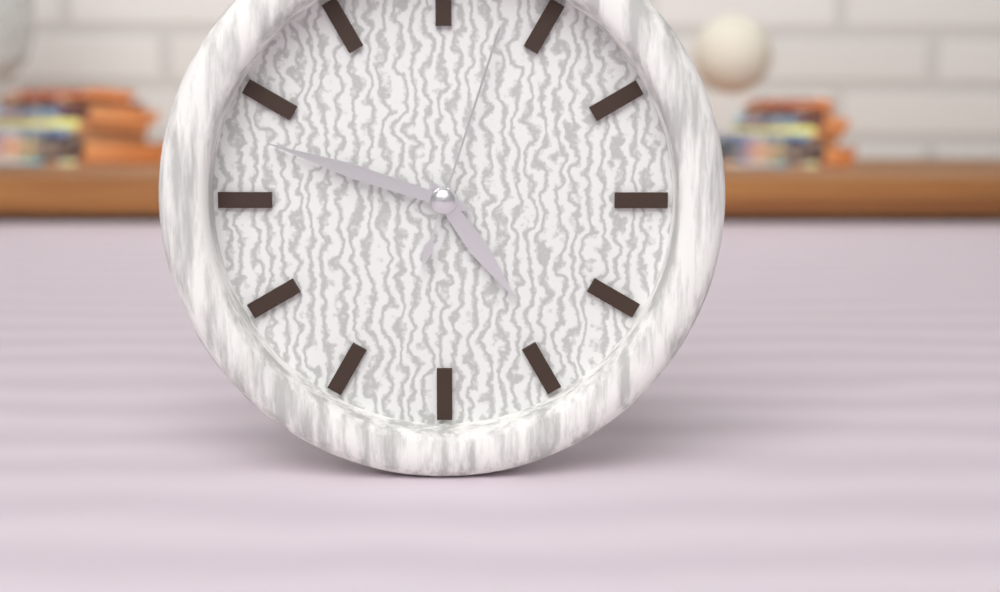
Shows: 4h48m03s
